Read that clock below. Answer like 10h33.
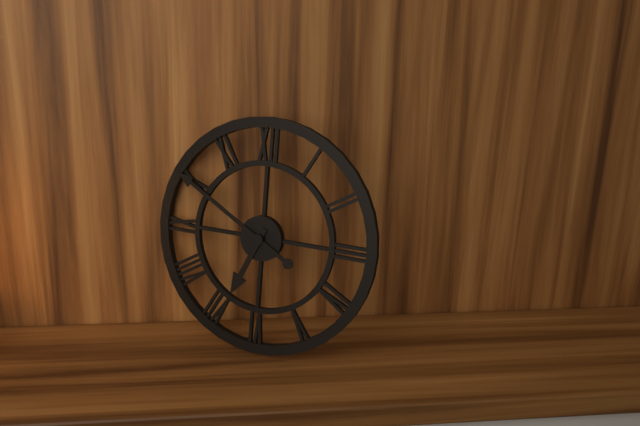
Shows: 6h50
